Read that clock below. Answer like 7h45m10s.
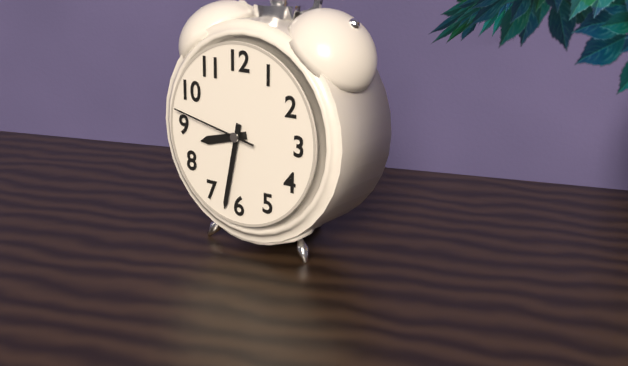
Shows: 8h32m47s
